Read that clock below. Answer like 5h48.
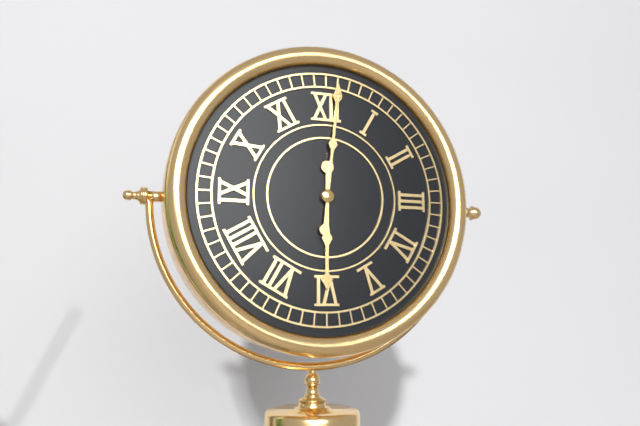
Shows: 6h01
